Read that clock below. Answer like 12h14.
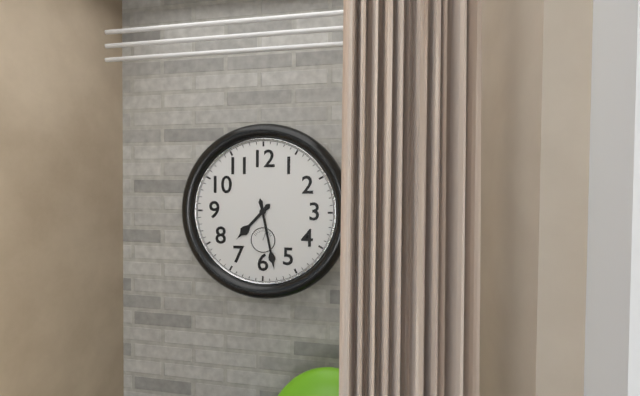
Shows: 7h28
